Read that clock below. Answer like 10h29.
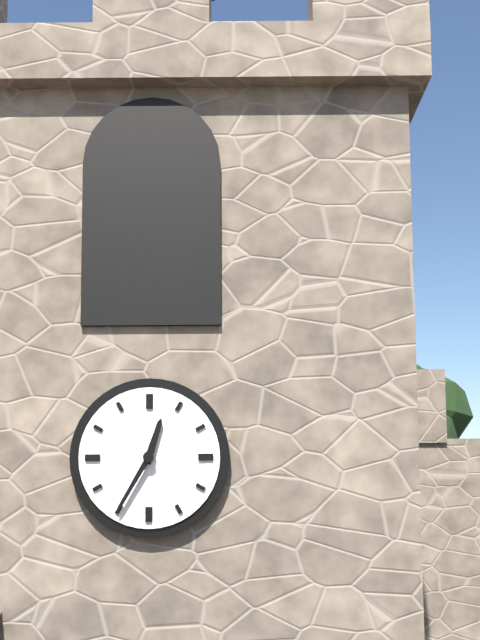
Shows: 12h35
